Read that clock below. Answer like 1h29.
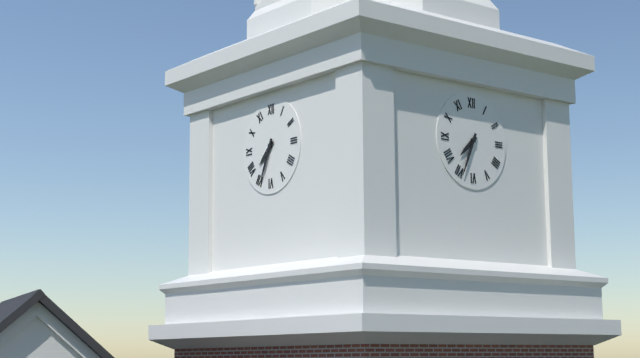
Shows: 7h34
